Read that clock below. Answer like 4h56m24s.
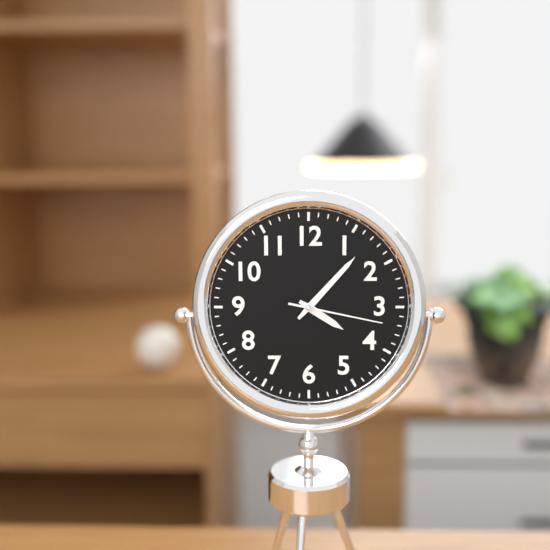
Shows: 4h07m17s
